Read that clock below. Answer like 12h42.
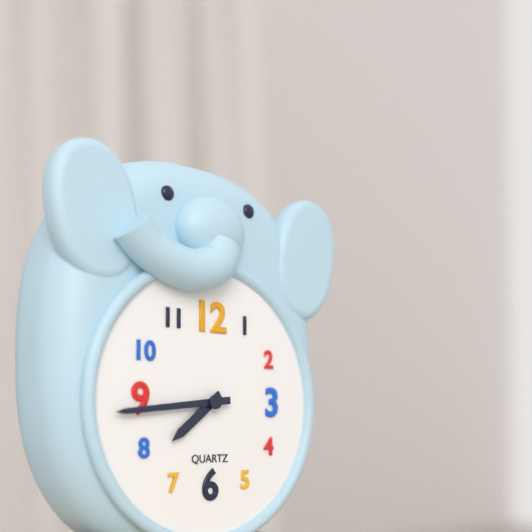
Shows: 7h44
